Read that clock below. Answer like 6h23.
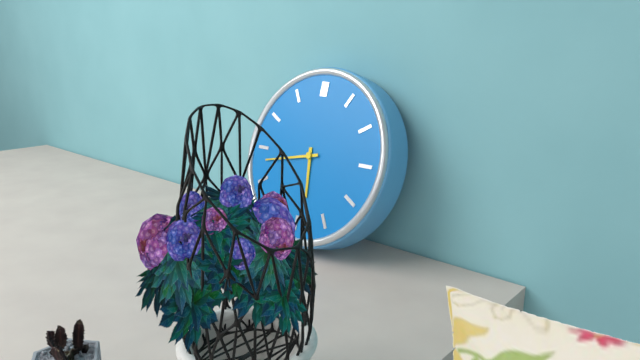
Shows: 5h43
